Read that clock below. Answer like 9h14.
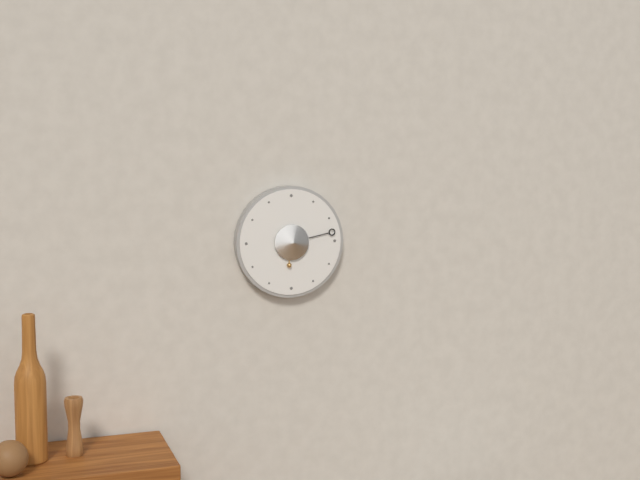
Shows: 6h13
